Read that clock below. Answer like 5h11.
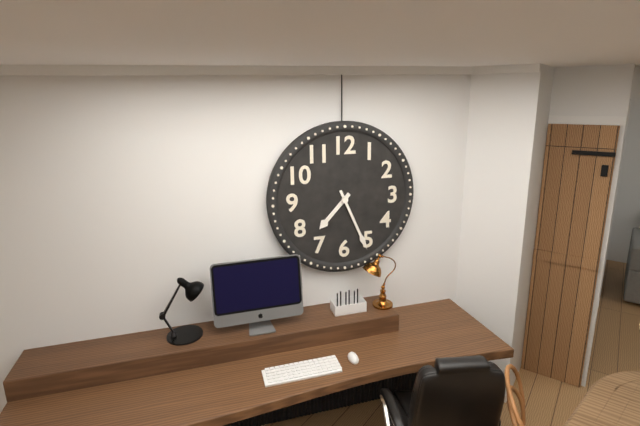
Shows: 7h26
